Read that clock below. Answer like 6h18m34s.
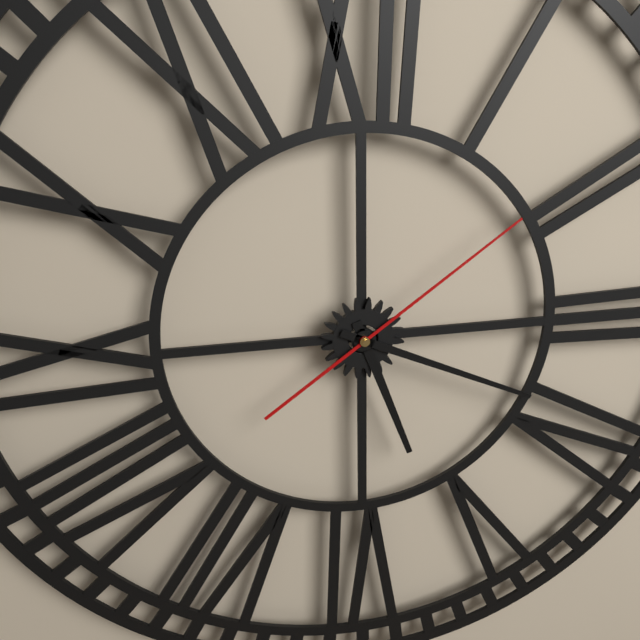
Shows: 5h19m09s
